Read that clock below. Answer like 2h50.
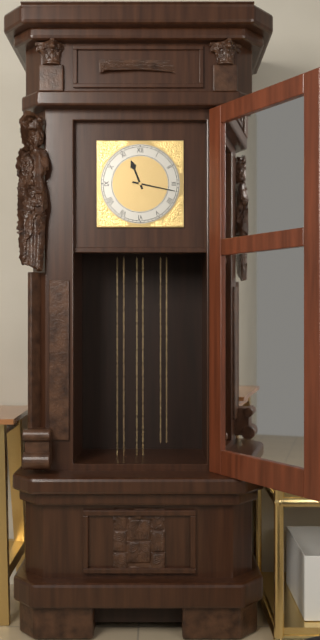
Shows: 11h17
